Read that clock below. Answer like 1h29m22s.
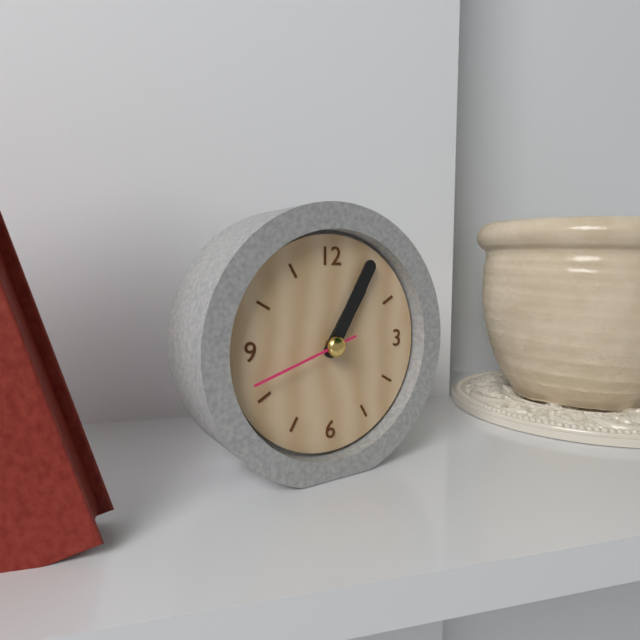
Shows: 1h05m42s
